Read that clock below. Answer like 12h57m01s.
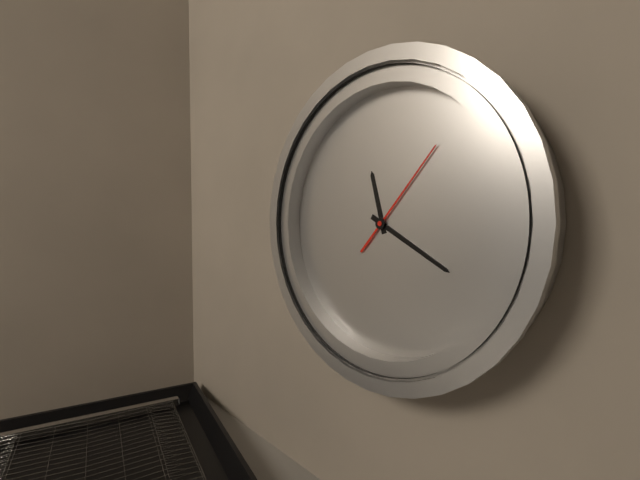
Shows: 11h19m06s
